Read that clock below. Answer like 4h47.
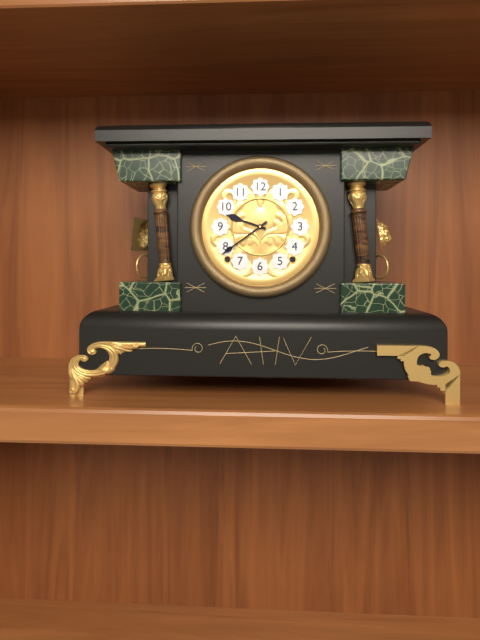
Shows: 9h39
